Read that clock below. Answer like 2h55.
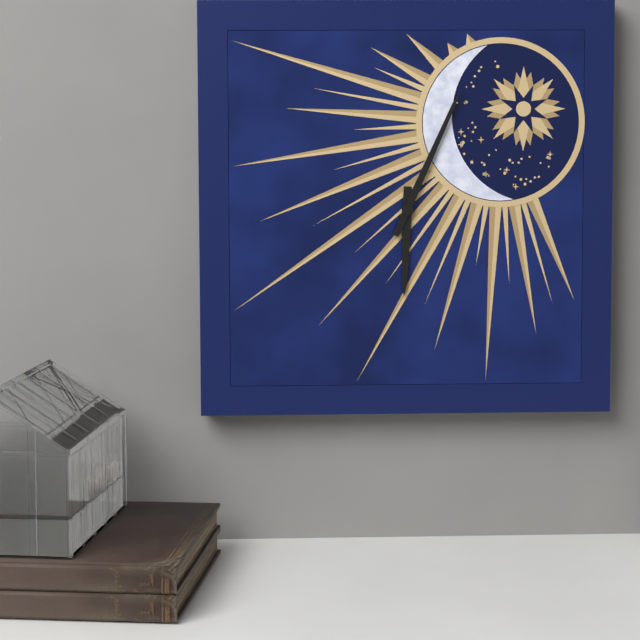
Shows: 6h04
